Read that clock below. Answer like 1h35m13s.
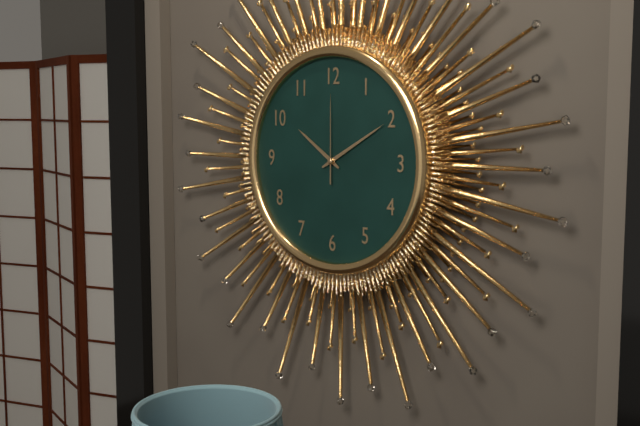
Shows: 10h10m00s
